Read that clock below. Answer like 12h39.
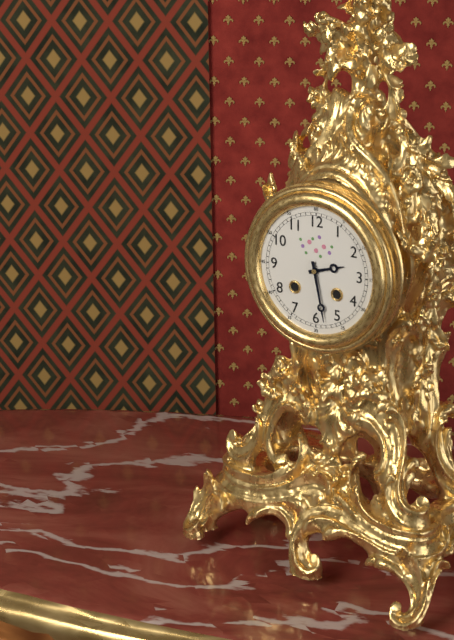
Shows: 2h28
